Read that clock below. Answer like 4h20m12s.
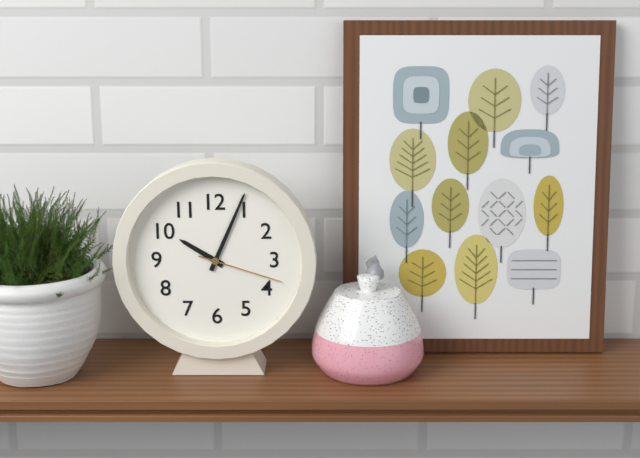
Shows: 10h04m18s
